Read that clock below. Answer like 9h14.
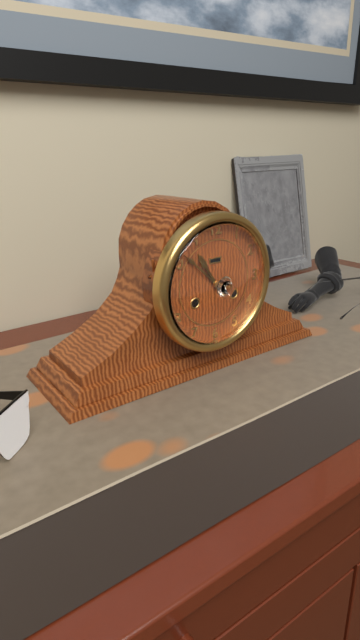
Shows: 10h52
